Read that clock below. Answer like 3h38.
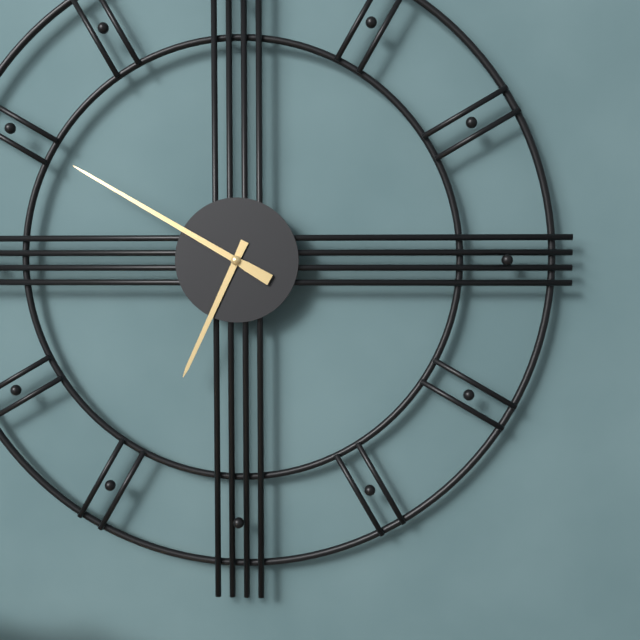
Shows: 6h50
